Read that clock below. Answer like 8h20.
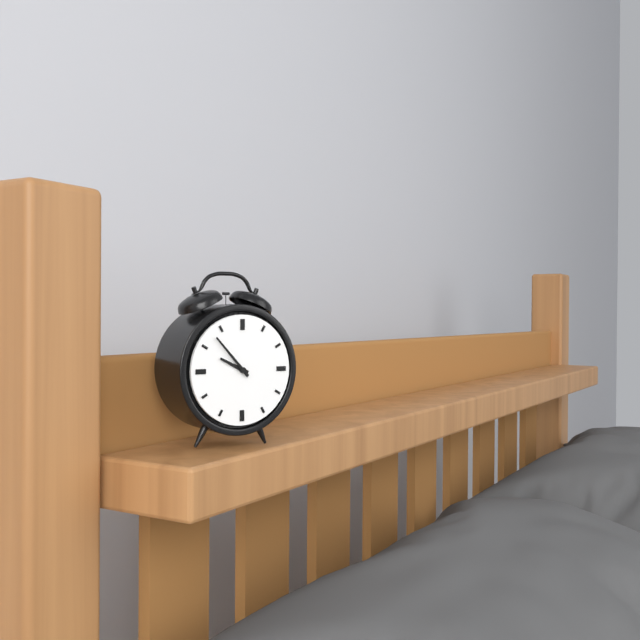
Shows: 9h53
